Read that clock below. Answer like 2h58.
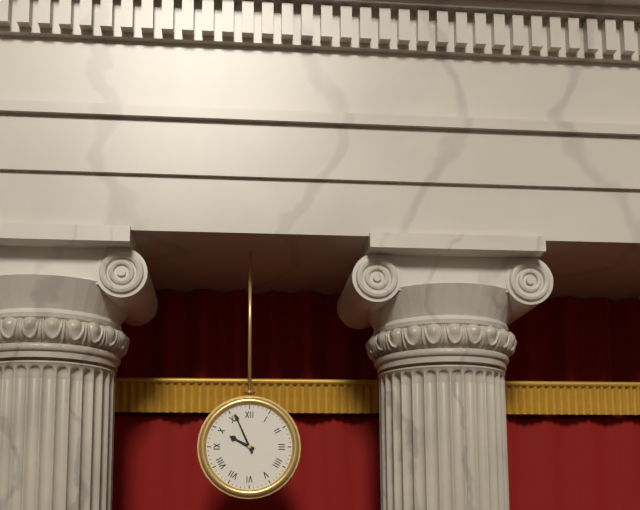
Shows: 9h56
